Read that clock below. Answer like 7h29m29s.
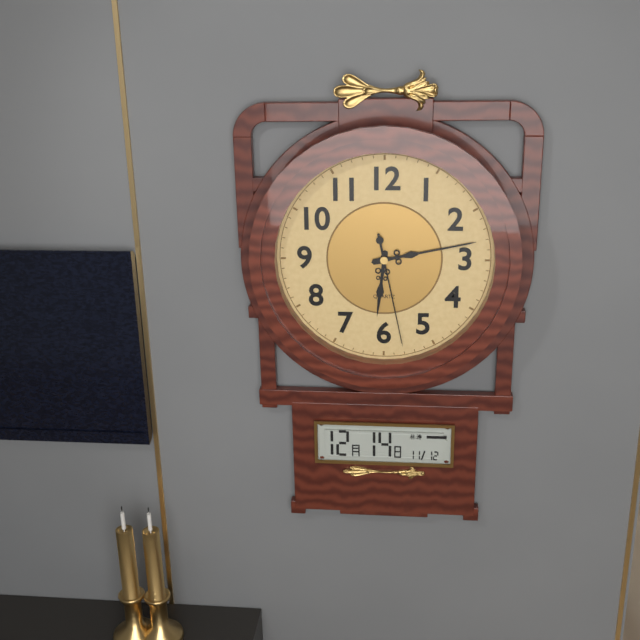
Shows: 6h13m28s
